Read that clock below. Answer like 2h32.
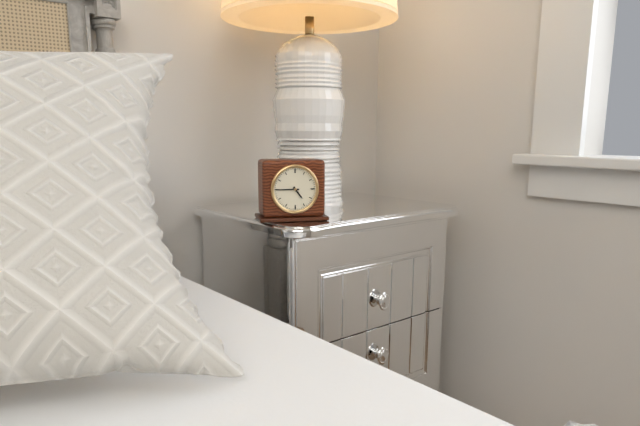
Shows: 4h45
